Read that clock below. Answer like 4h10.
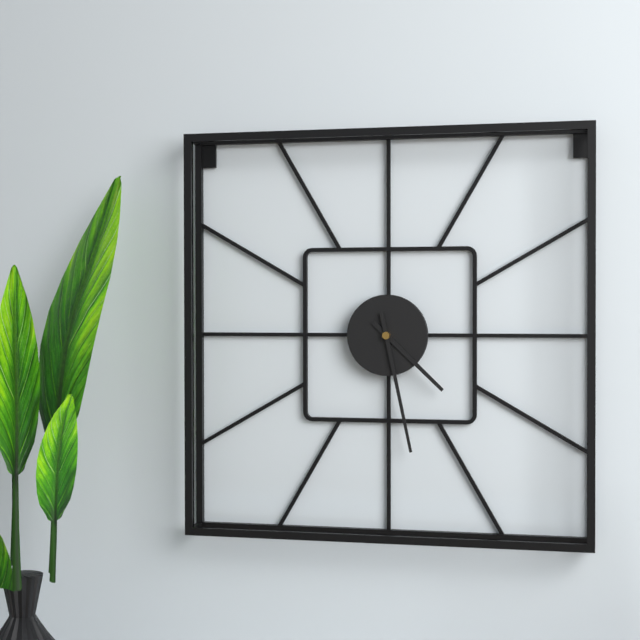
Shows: 4h28
